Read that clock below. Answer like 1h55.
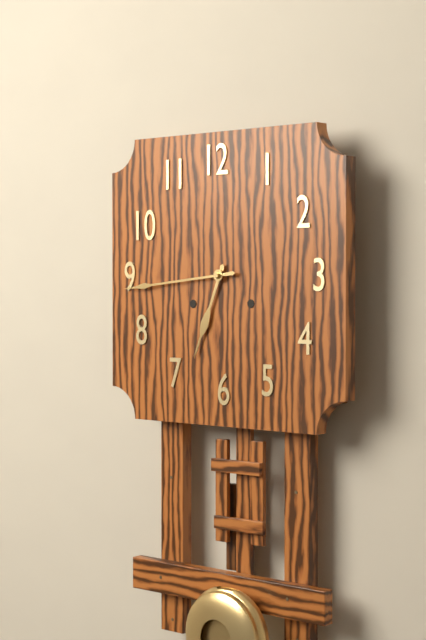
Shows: 6h44
